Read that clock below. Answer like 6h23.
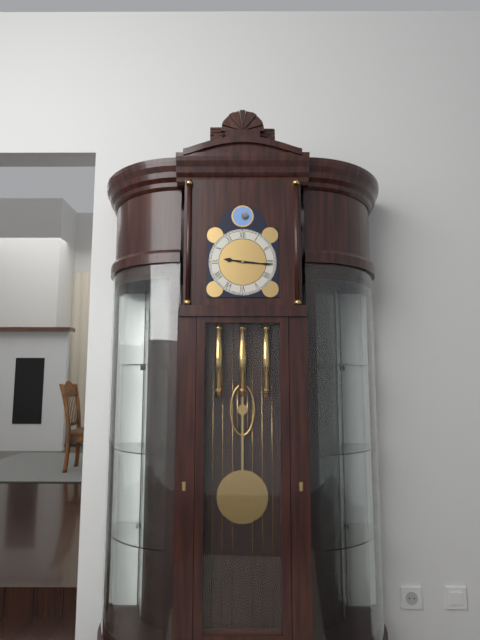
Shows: 9h16
